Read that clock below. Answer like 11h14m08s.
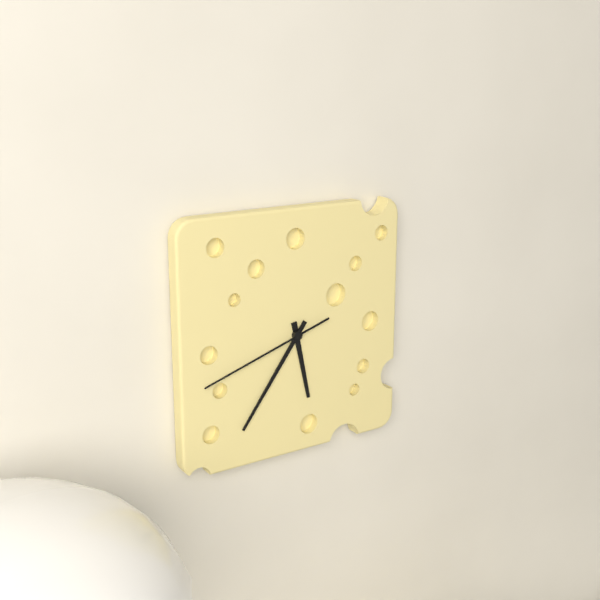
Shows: 5h36m42s
